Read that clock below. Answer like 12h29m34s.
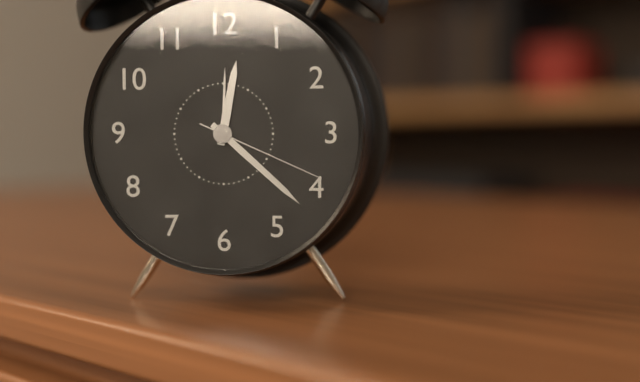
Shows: 12h22m19s
